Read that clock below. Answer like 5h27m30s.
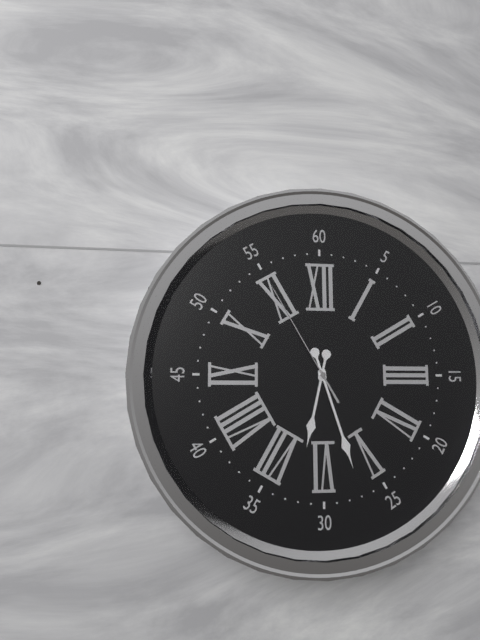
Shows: 6h27m55s
